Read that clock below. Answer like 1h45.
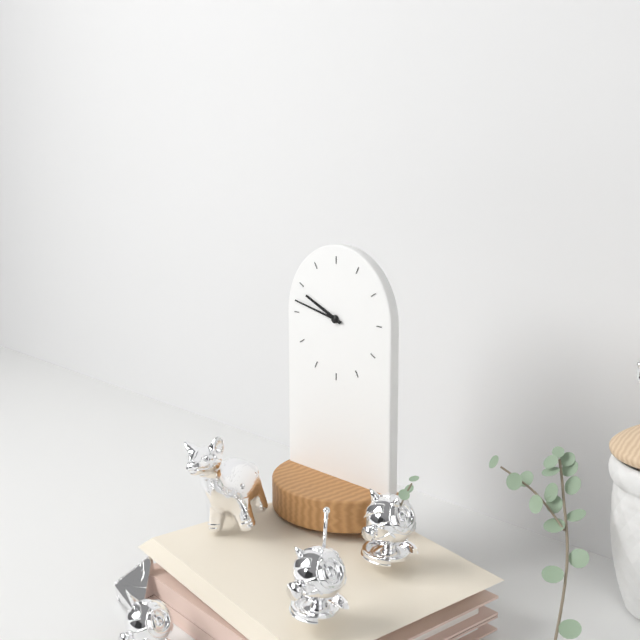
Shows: 9h47
